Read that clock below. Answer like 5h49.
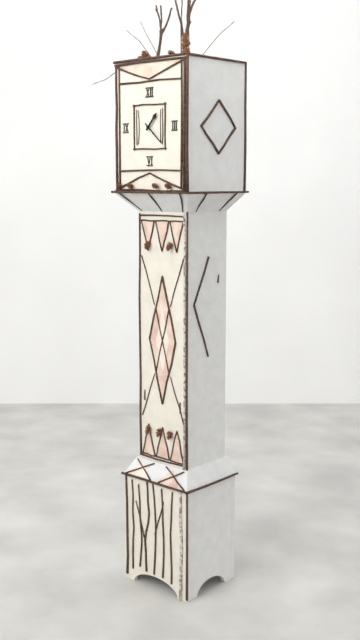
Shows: 1h22
